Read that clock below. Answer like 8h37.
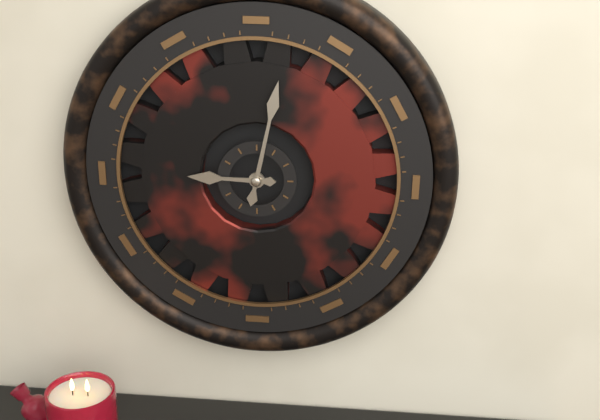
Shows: 9h02
